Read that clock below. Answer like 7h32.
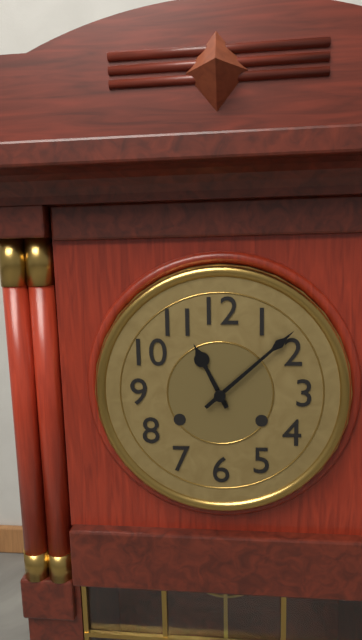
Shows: 11h08
